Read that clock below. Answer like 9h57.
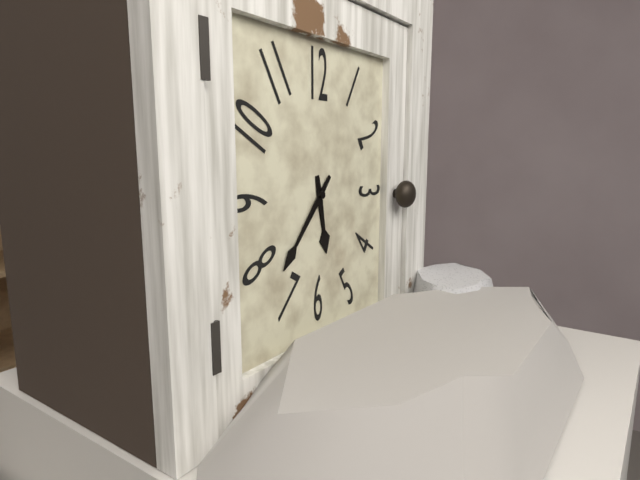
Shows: 5h37
